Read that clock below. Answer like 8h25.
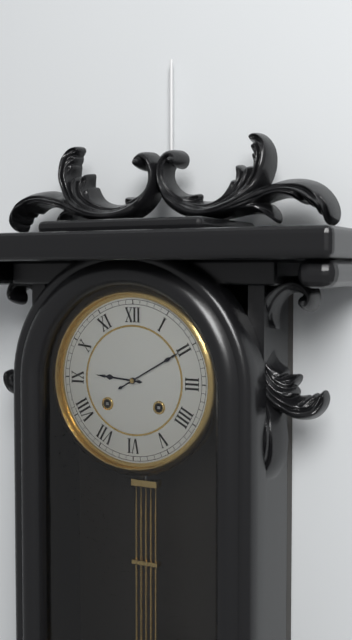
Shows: 9h10
